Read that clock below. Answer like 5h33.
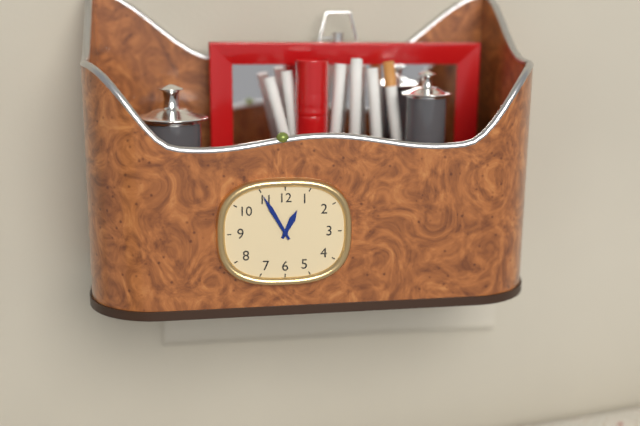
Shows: 12h55
